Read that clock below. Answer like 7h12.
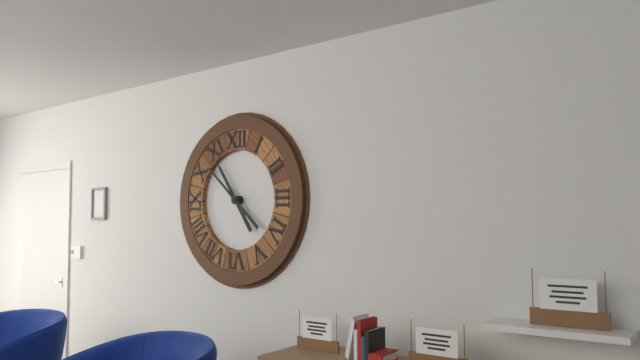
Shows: 10h52
